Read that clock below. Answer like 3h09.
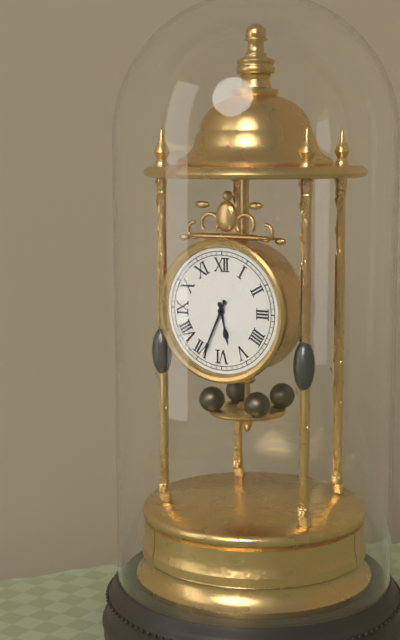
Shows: 5h34
